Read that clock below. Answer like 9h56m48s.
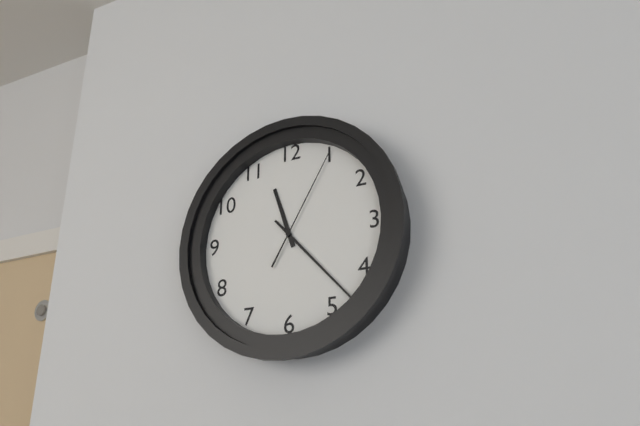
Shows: 11h23m05s
